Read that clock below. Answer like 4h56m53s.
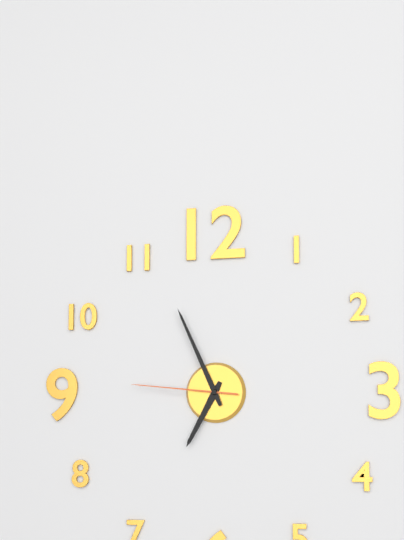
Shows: 6h56m46s
